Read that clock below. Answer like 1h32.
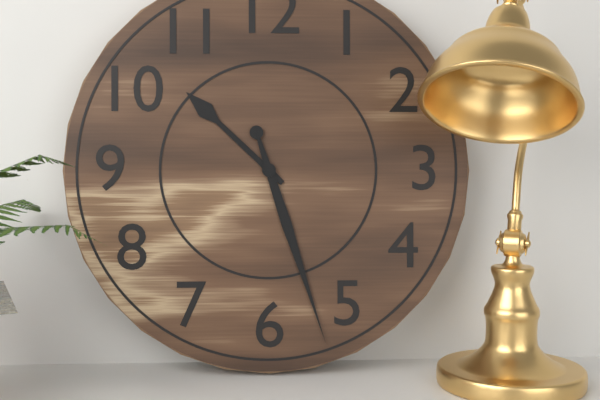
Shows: 10h27
